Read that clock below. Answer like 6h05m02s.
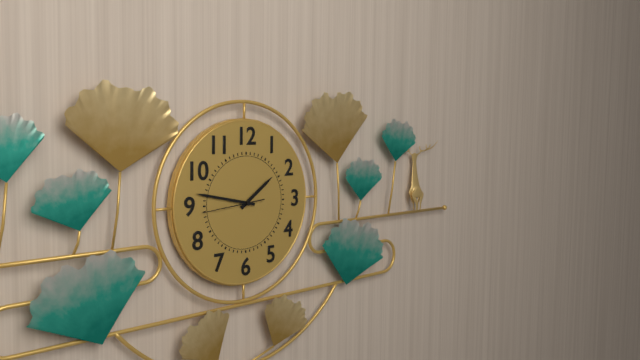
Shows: 1h47m44s
